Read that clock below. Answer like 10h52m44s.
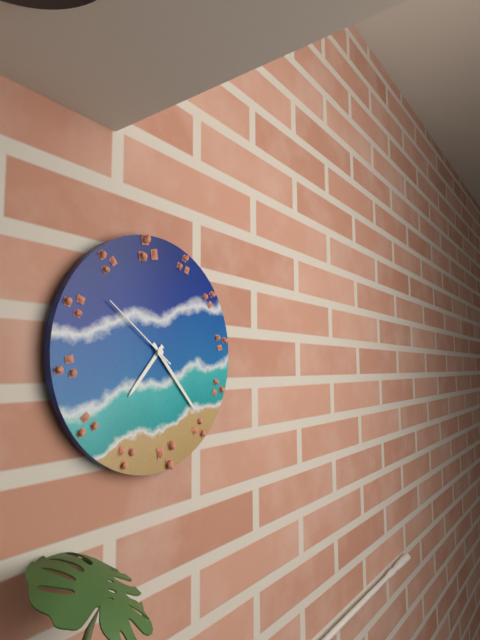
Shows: 7h23m51s
